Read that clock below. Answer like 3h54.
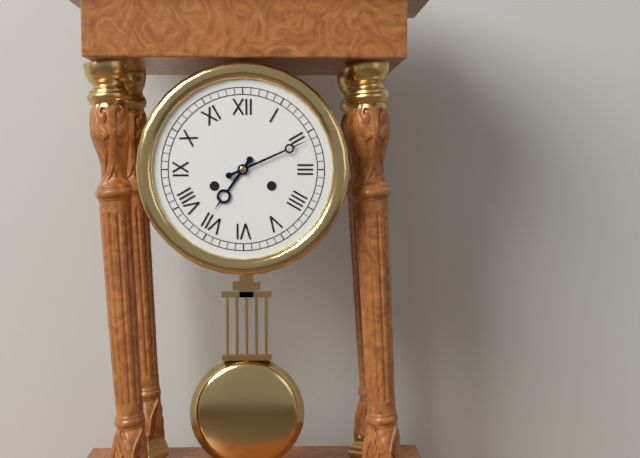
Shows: 7h11
